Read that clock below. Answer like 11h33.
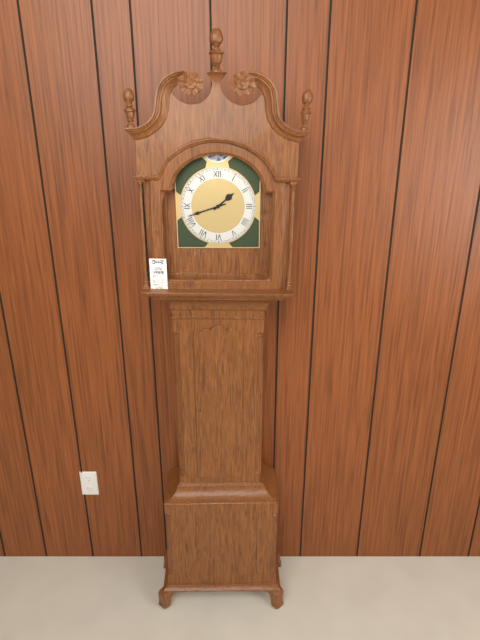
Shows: 1h42
